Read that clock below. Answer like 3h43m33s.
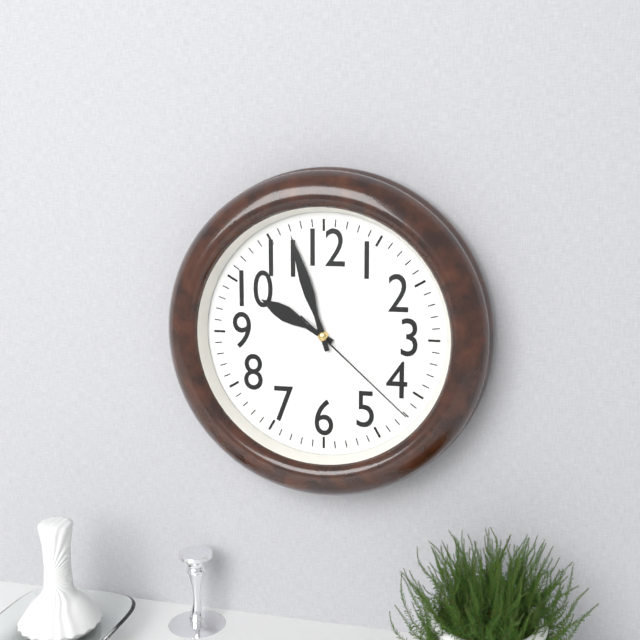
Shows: 9h57m22s
